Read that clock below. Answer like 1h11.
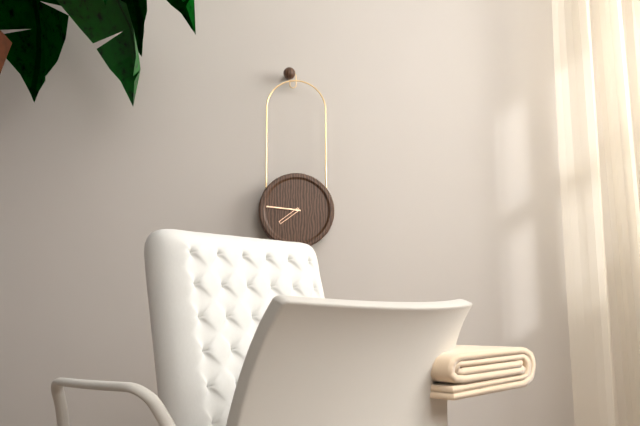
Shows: 7h46
